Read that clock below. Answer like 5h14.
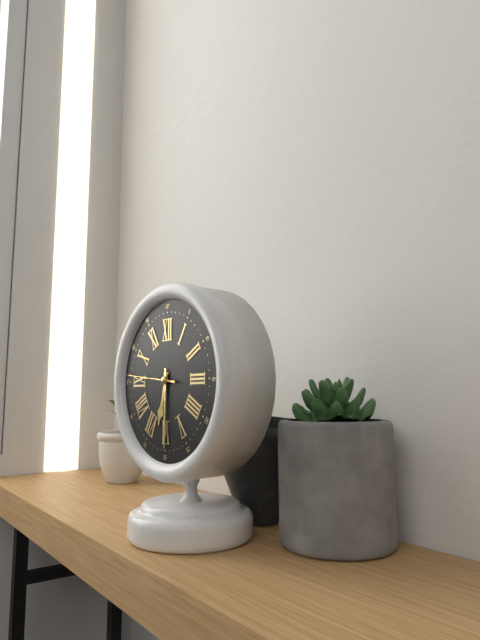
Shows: 6h30
